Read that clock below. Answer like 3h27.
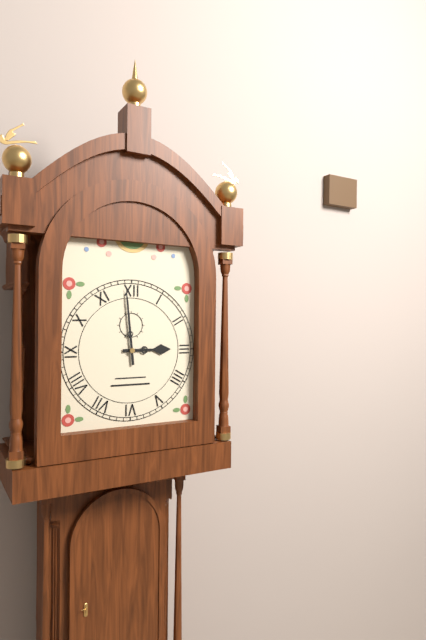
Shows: 2h59
